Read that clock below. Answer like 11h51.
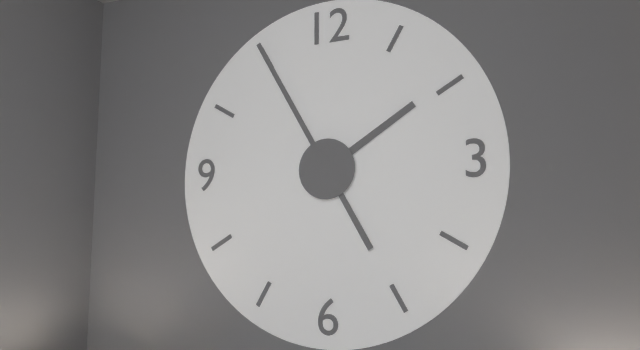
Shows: 1h55
